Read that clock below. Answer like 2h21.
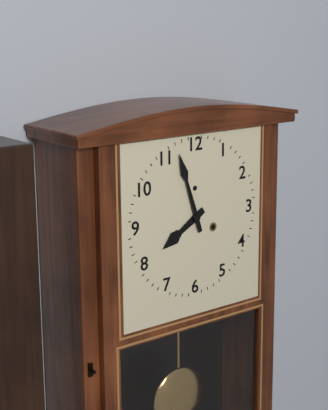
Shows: 7h57
